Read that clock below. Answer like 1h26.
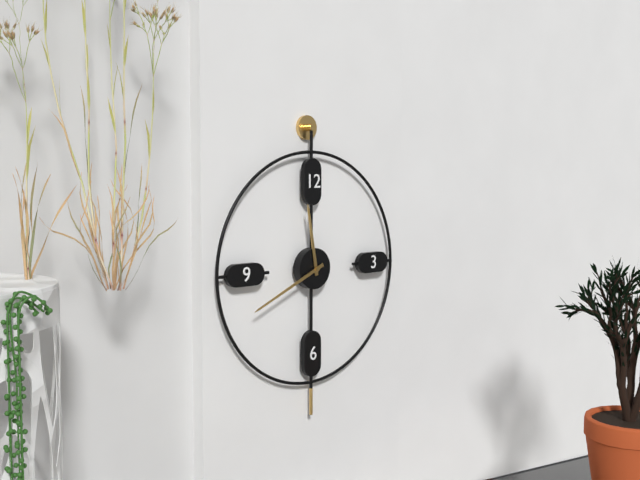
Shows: 11h41
